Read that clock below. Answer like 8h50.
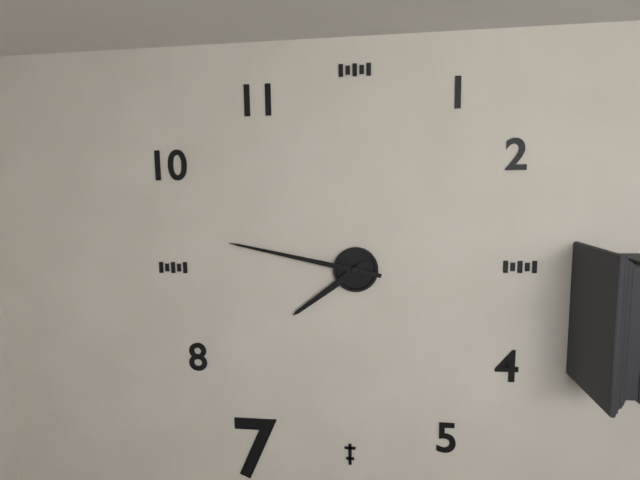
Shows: 7h47
